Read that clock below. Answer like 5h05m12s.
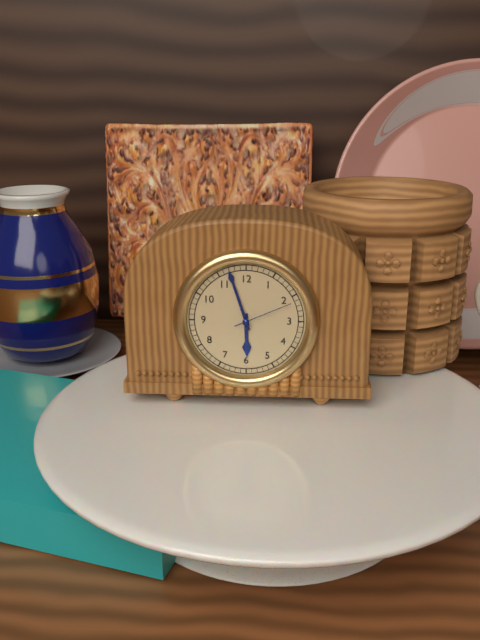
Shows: 5h57m11s
